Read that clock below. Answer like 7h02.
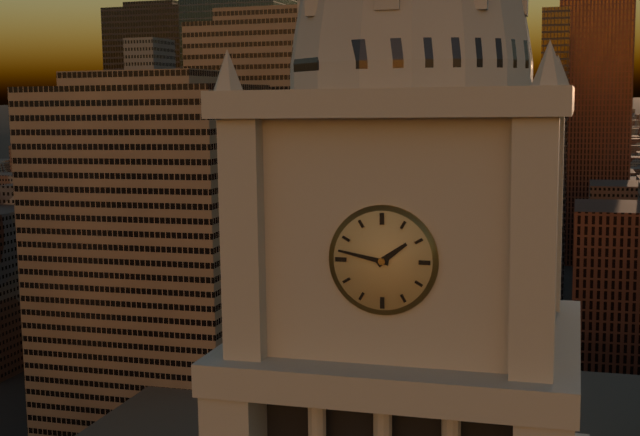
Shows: 1h47
